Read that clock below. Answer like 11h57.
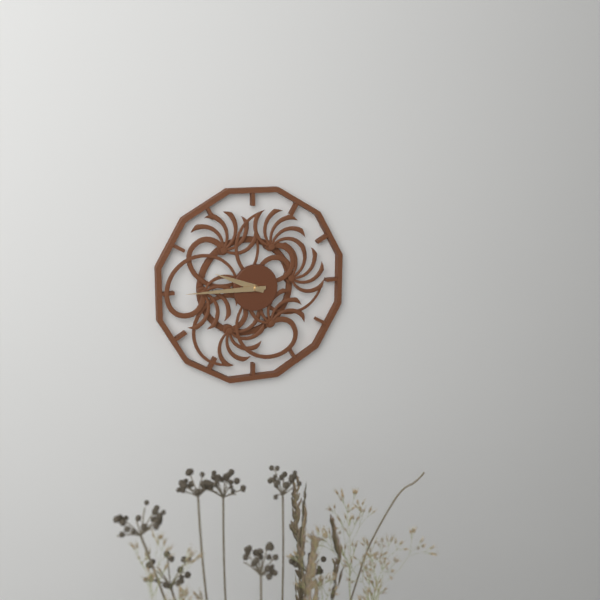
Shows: 9h45
